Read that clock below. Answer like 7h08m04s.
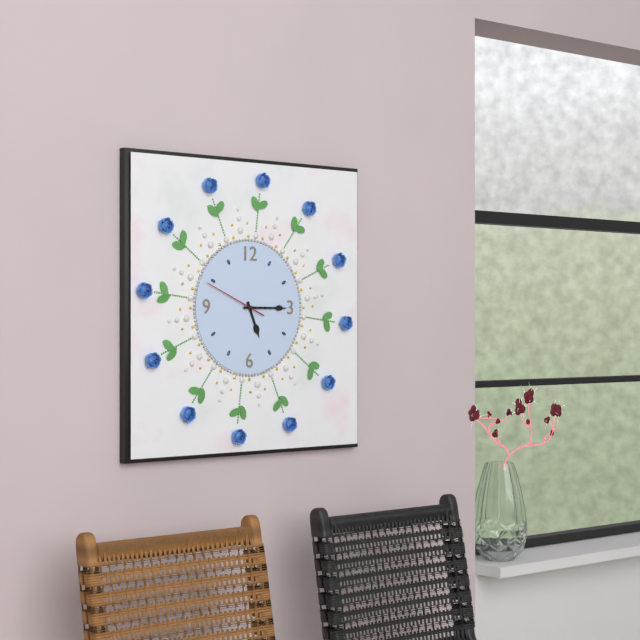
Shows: 5h15m49s
